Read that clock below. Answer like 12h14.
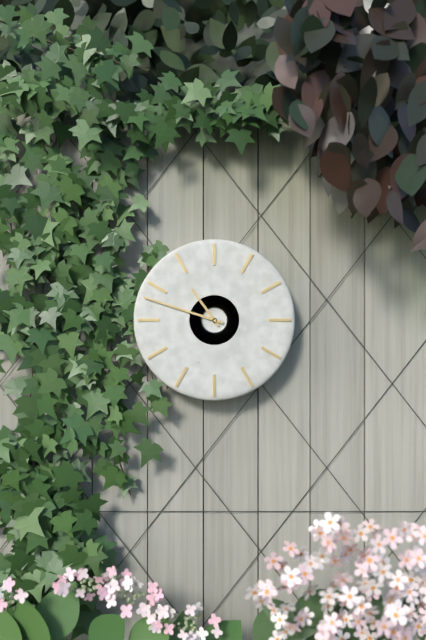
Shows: 10h48
